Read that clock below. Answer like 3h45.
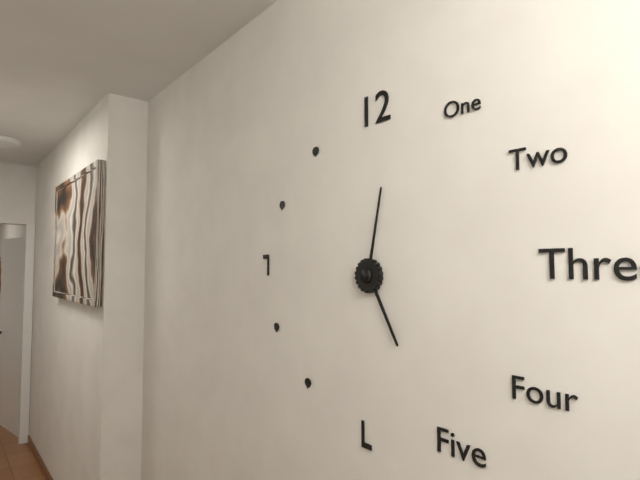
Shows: 5h02
